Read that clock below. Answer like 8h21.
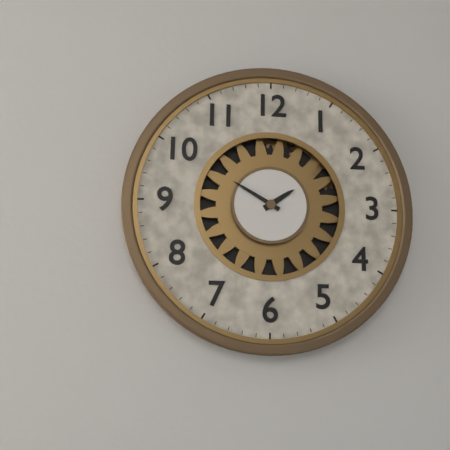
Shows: 1h50
